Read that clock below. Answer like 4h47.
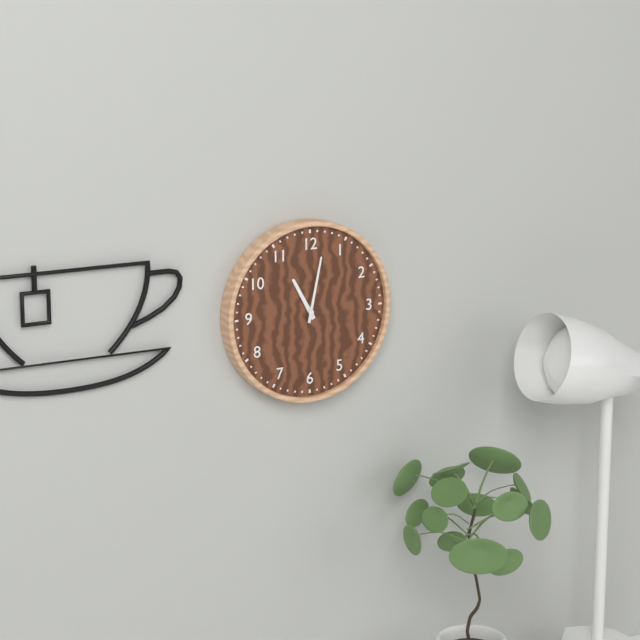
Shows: 11h02
